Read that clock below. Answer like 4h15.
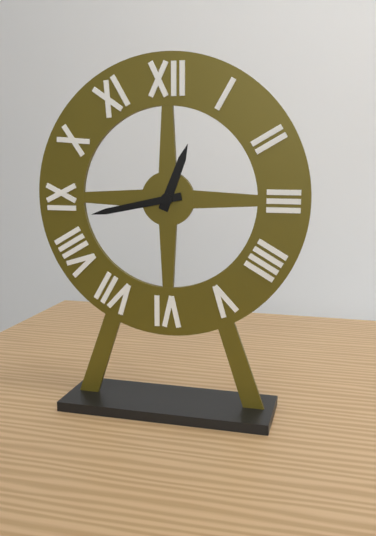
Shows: 12h43
